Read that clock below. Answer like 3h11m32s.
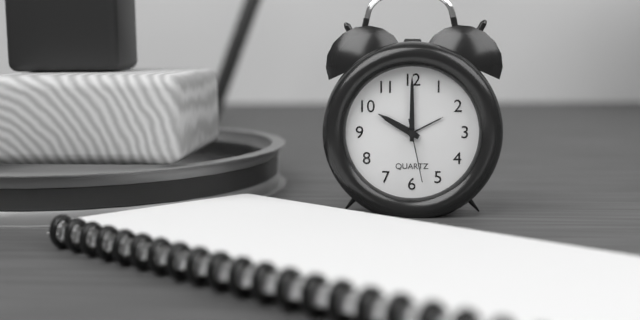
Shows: 10h00m28s
